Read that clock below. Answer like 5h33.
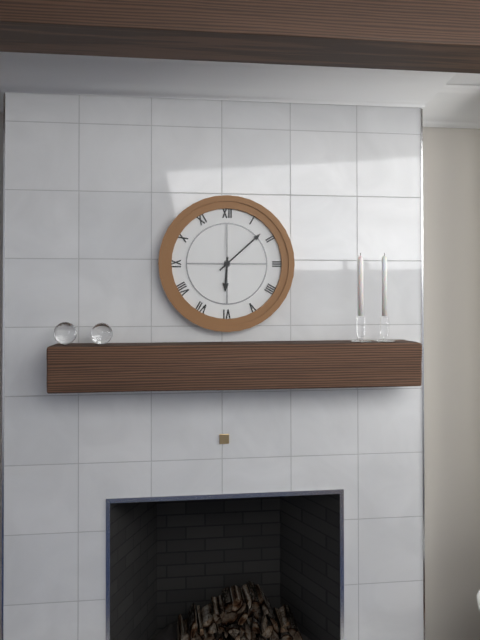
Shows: 6h08
